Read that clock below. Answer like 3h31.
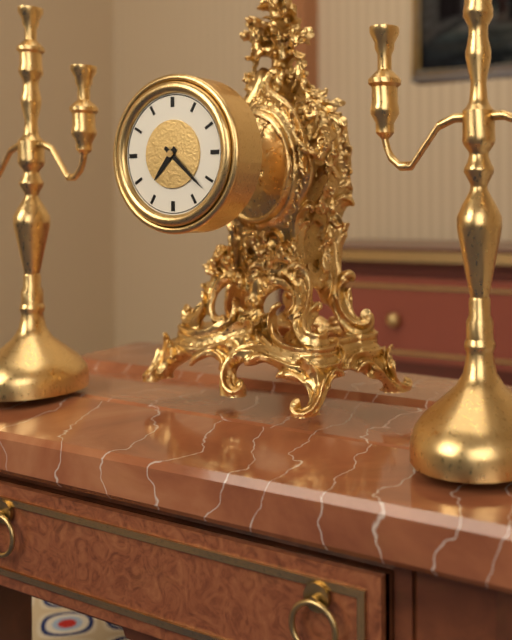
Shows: 7h22
